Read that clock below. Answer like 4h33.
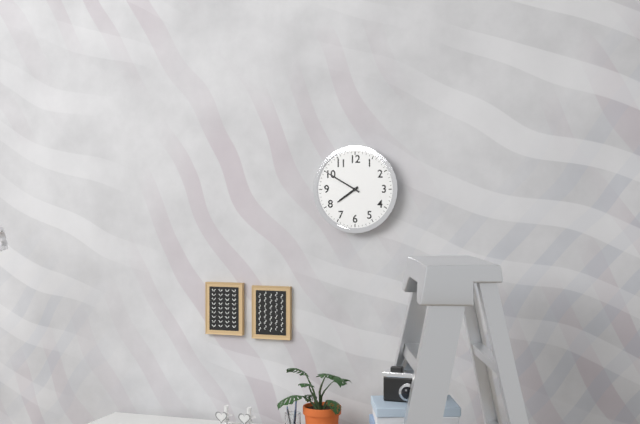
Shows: 7h50
